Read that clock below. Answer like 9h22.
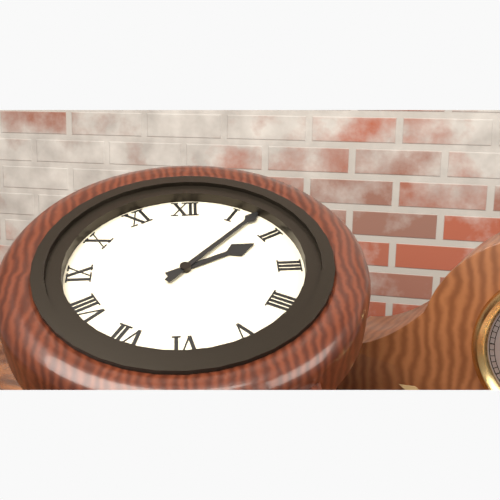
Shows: 2h07
